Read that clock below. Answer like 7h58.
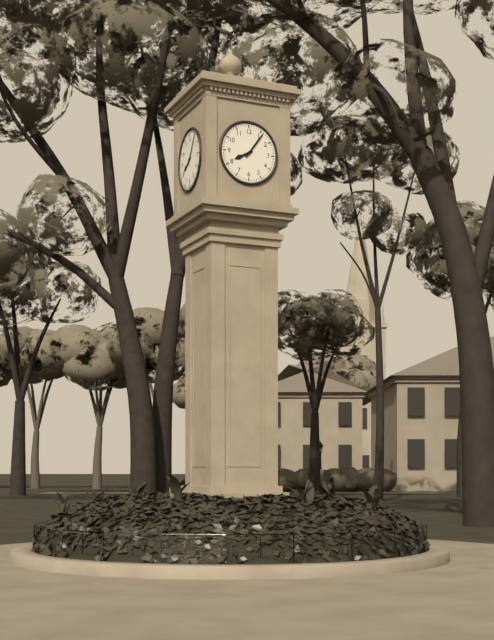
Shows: 8h06
